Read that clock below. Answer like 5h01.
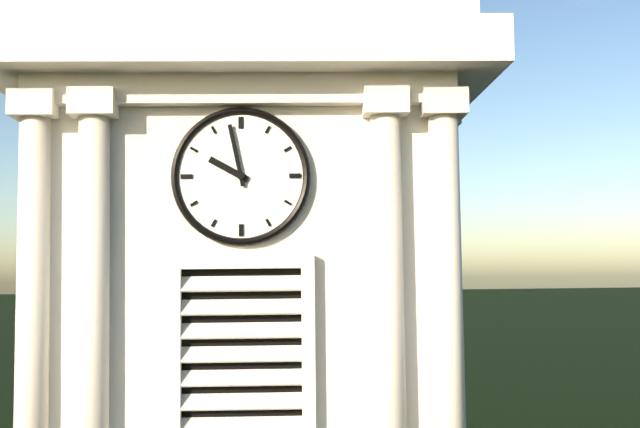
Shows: 9h58
